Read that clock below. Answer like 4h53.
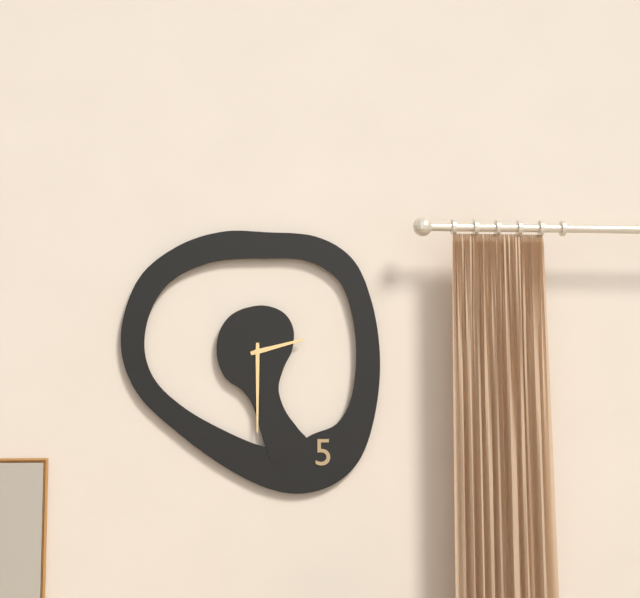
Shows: 2h30
